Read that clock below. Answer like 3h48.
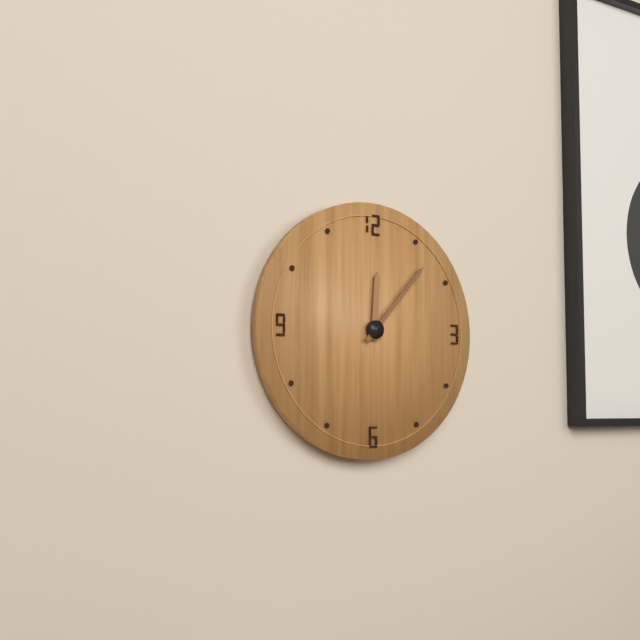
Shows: 12h07
